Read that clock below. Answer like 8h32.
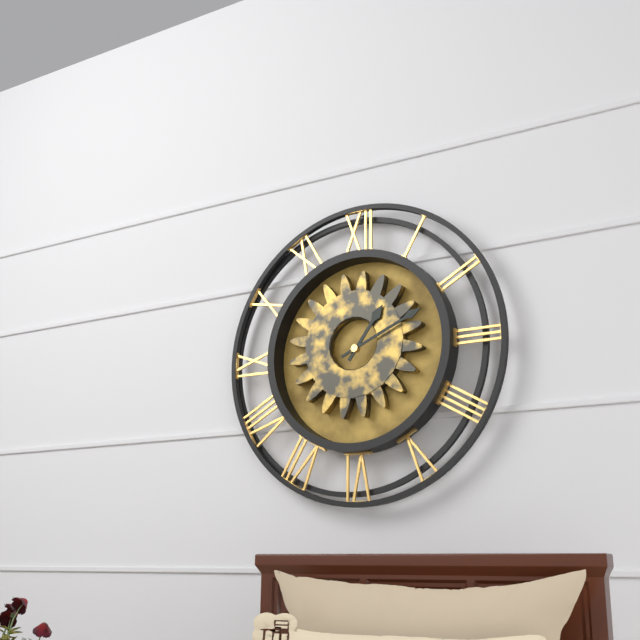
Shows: 1h11
